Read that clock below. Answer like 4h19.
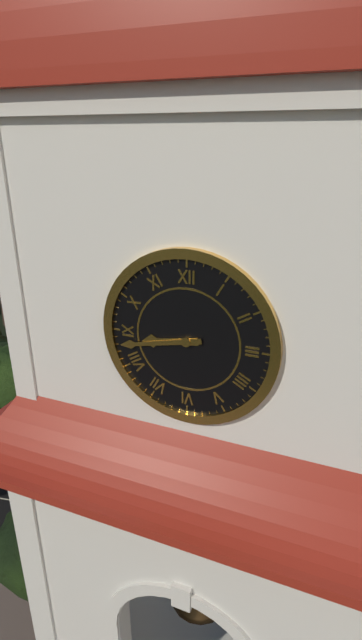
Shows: 8h43
